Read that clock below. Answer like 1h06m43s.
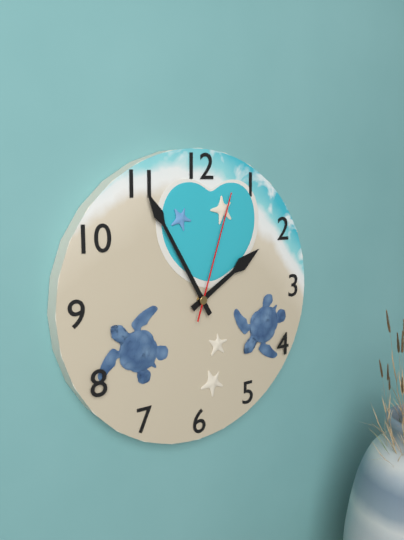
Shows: 1h55m03s
